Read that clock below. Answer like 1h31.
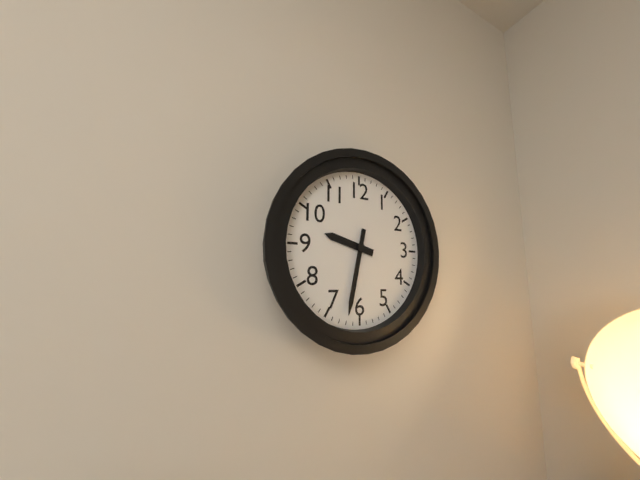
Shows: 9h32
